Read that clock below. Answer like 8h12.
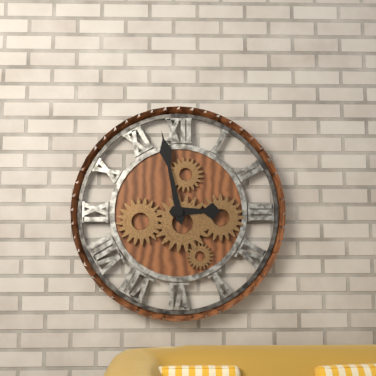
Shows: 2h58
